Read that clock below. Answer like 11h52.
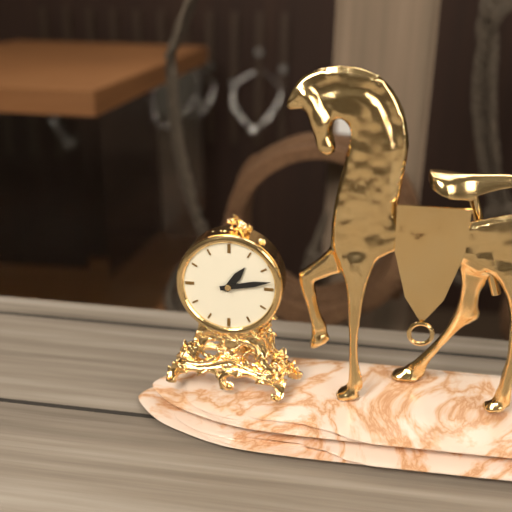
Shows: 1h13
